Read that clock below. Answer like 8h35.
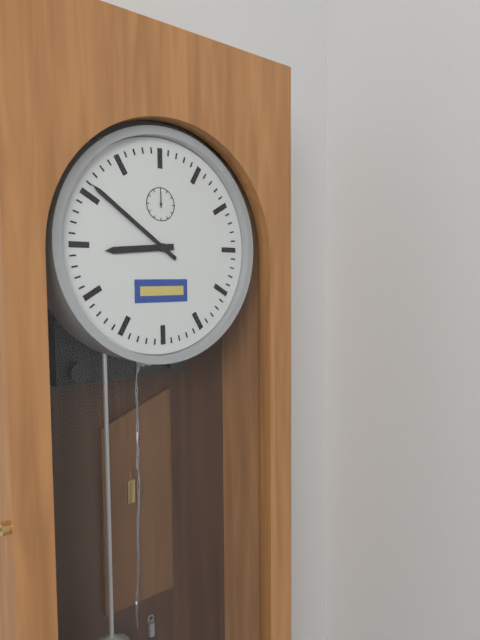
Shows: 8h51
